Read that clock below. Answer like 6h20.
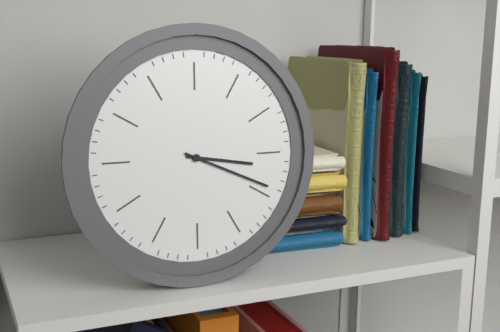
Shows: 3h19
